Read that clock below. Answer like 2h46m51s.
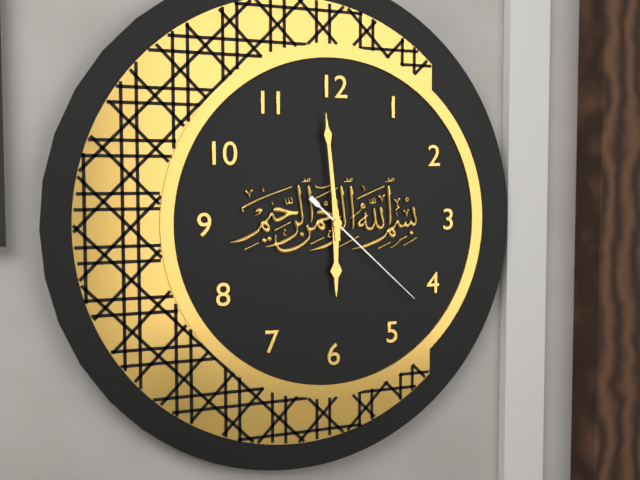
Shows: 5h59m22s
